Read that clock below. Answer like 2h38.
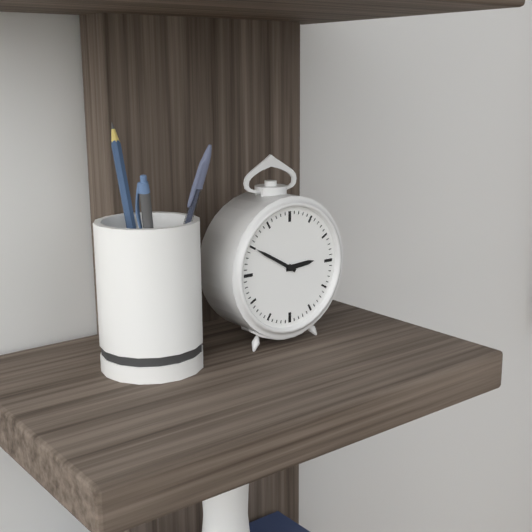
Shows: 2h50
